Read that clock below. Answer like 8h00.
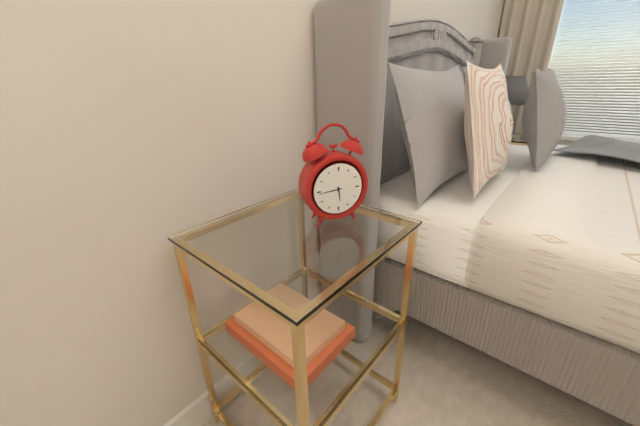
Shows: 5h44
